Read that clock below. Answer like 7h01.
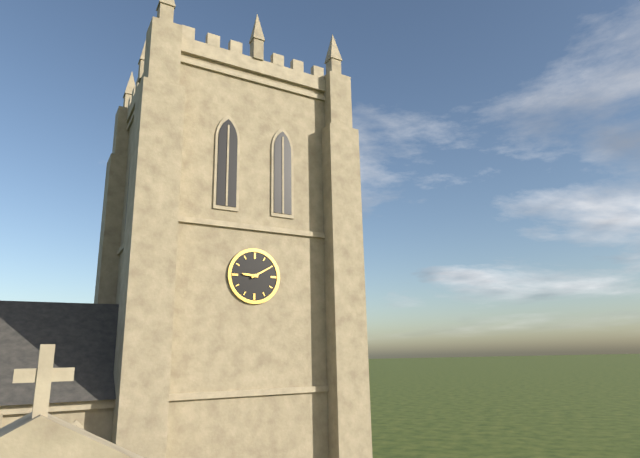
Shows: 9h10
